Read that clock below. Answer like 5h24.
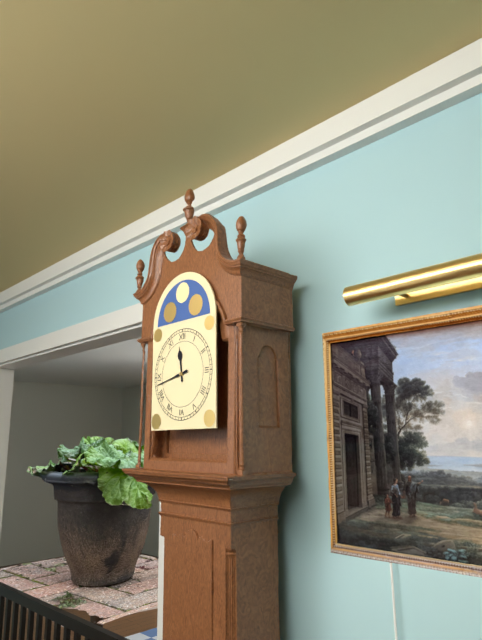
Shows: 11h43
